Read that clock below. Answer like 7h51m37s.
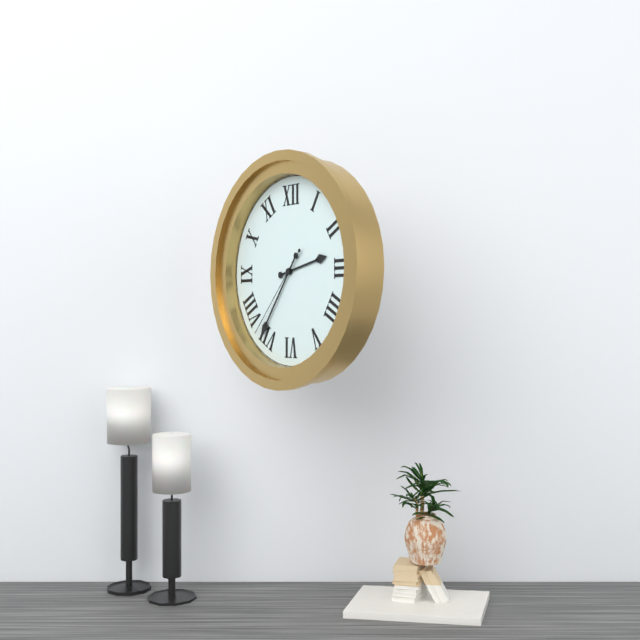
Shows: 2h36m37s
